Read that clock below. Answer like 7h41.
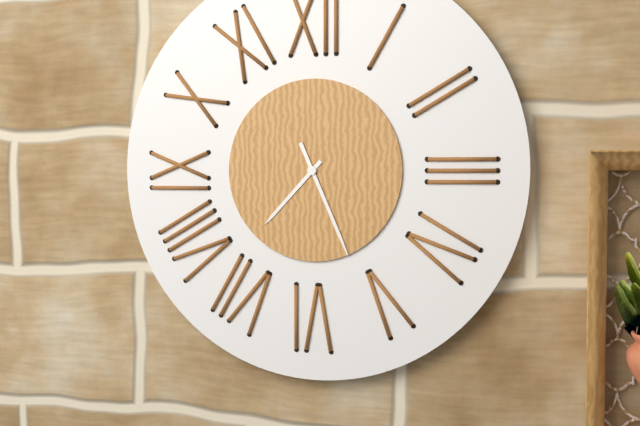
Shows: 7h26
